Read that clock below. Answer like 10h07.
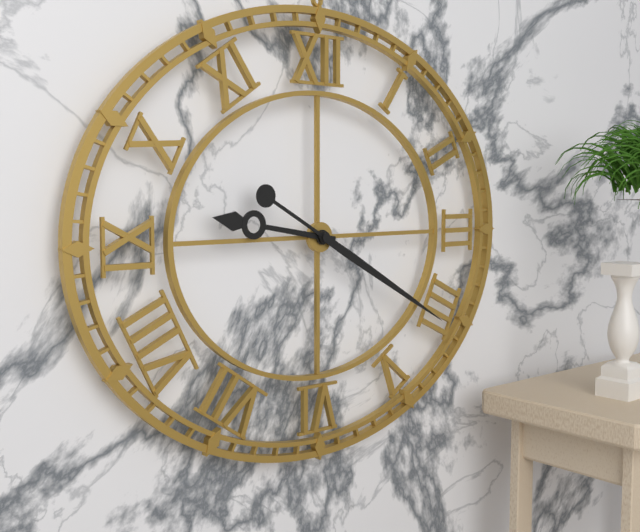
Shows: 9h20
